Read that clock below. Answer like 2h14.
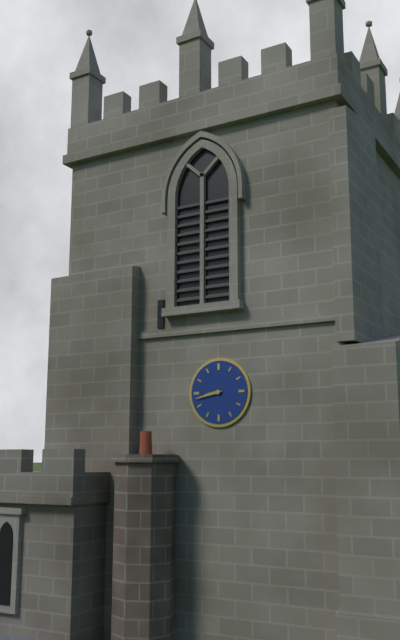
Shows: 8h43
